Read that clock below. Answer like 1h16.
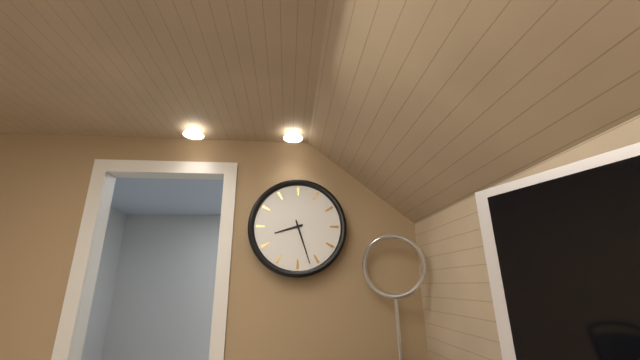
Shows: 8h27
